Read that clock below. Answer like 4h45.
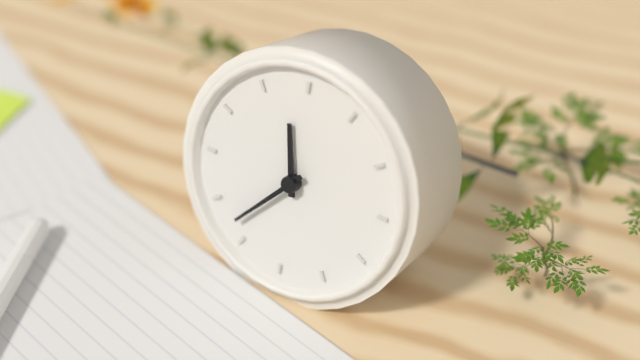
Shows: 11h37
